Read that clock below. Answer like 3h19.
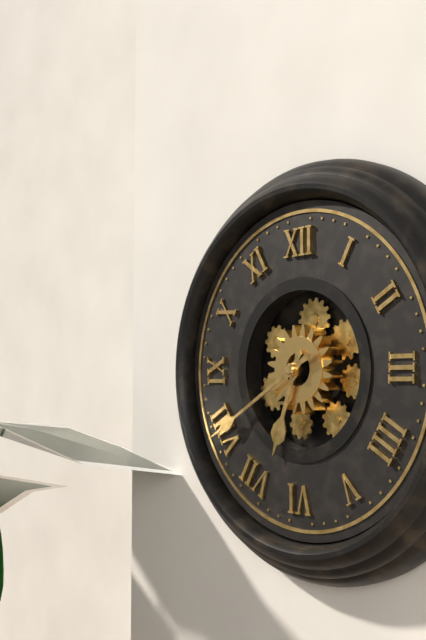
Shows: 6h40
